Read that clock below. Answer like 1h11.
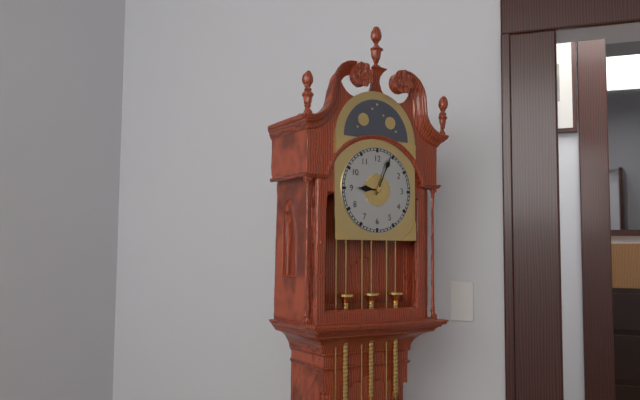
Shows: 9h04
